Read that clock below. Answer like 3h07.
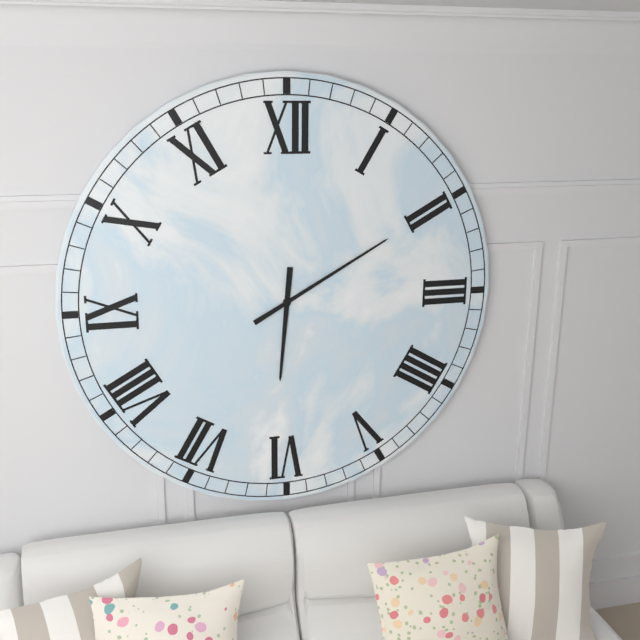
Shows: 6h10
